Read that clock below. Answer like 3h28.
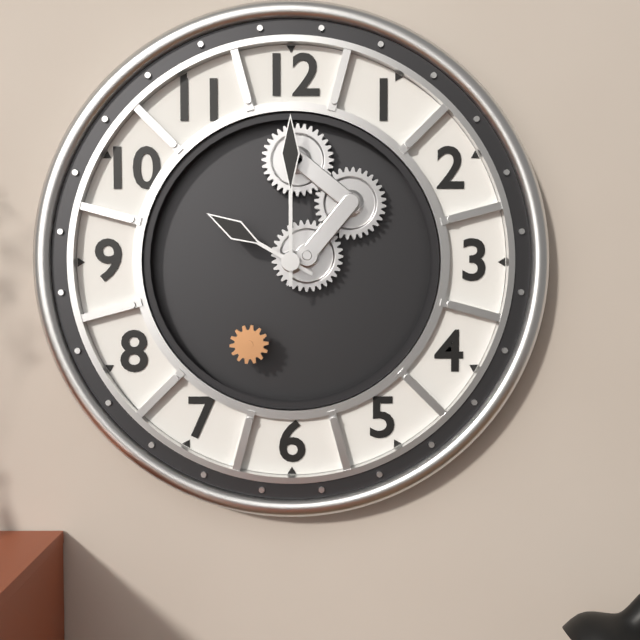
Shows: 10h00
